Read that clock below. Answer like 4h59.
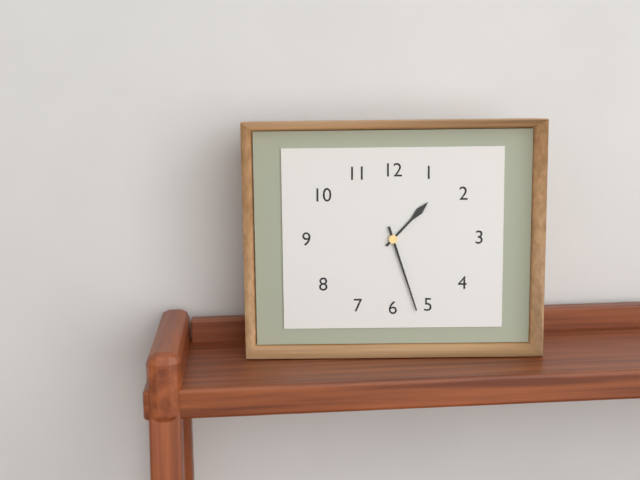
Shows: 1h27
